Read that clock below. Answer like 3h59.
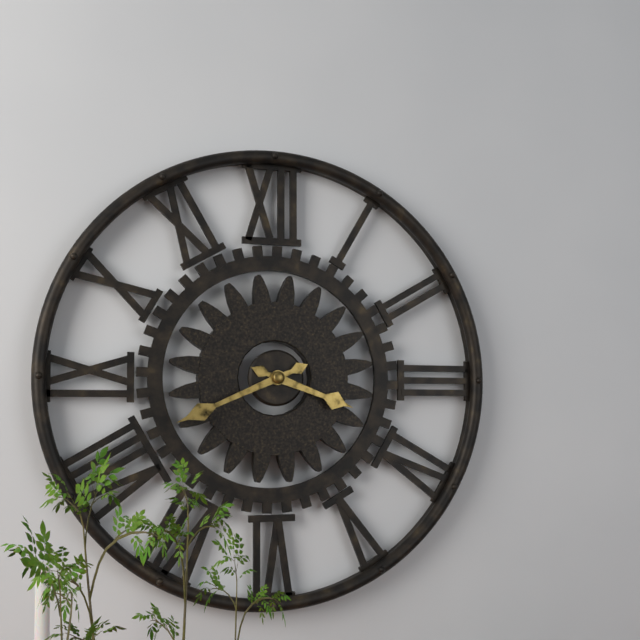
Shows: 3h41
